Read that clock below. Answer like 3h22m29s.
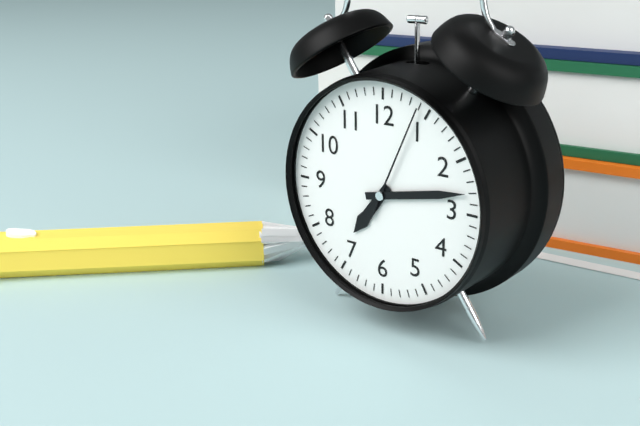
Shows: 7h13m04s
